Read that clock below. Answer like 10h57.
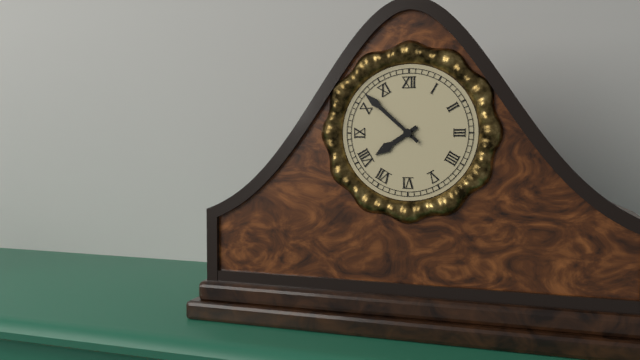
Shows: 7h52
